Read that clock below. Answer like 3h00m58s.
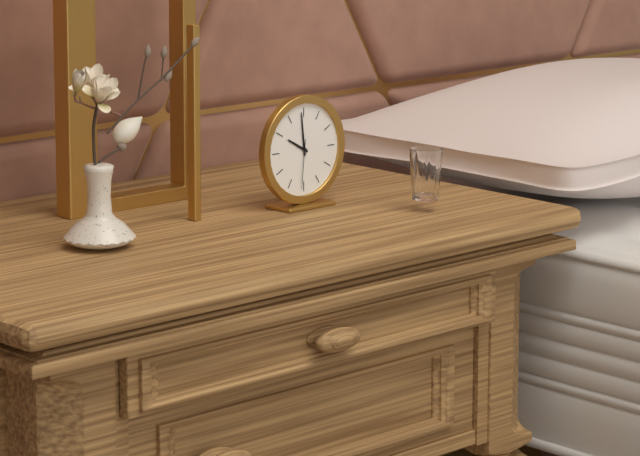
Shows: 9h59m31s
